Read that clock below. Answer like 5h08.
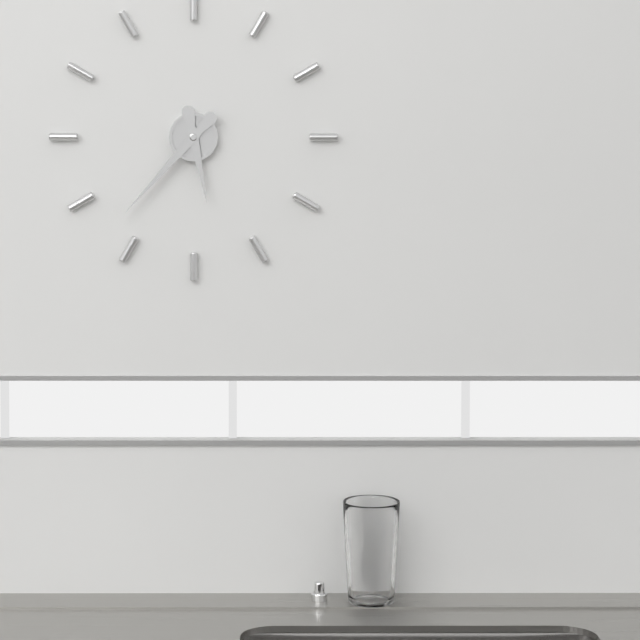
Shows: 5h37
